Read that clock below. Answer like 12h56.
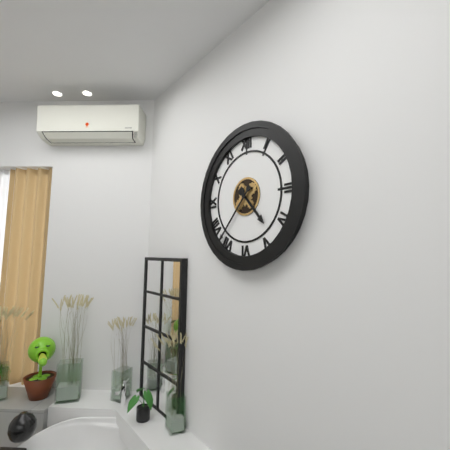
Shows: 4h37
